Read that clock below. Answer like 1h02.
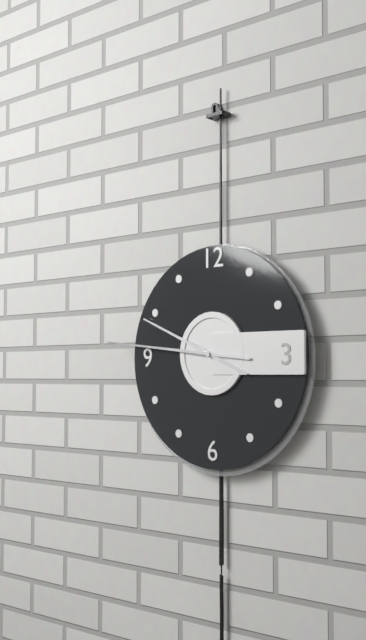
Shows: 9h46
